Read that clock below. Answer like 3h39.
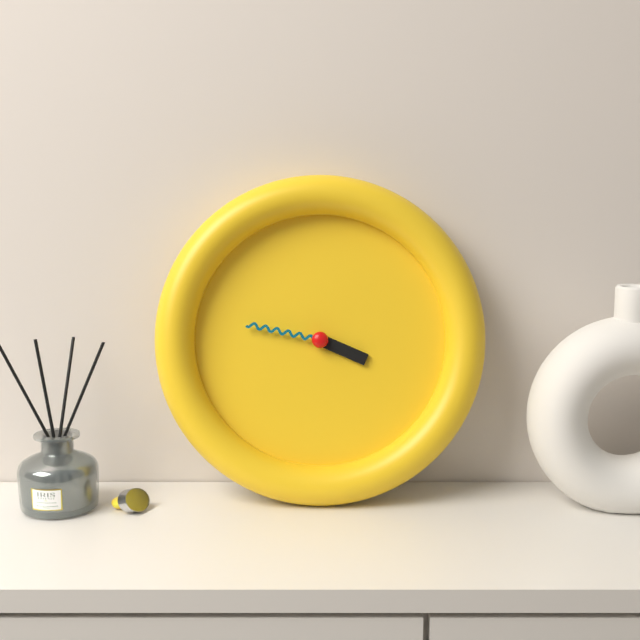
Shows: 3h47
